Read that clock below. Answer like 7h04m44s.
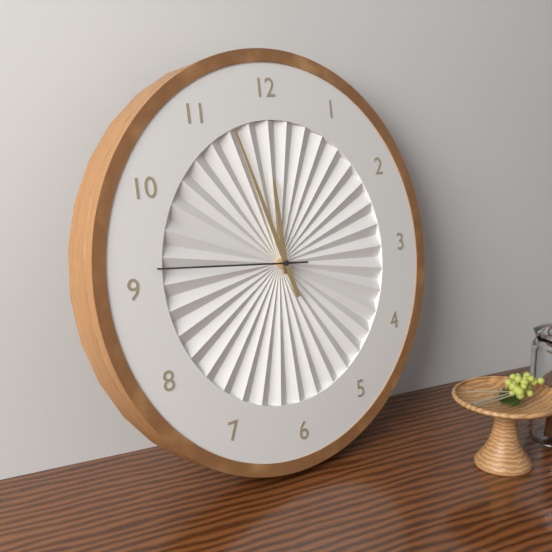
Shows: 11h57m46s
